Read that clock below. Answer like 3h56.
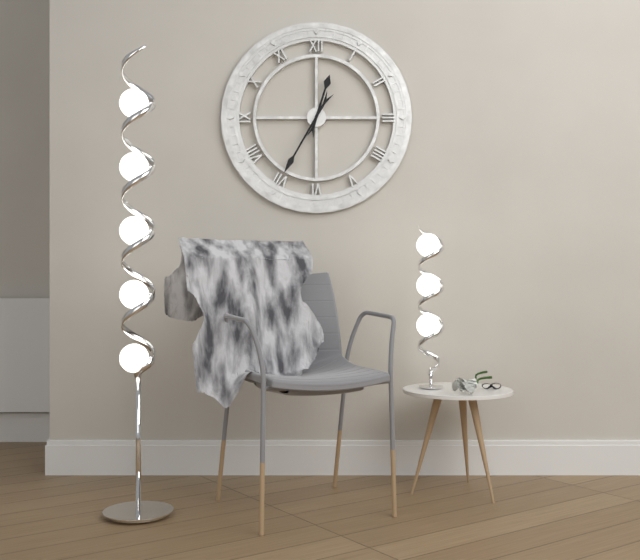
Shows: 12h35
